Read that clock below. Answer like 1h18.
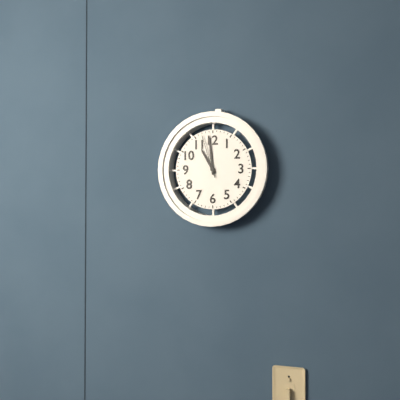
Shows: 10h59
